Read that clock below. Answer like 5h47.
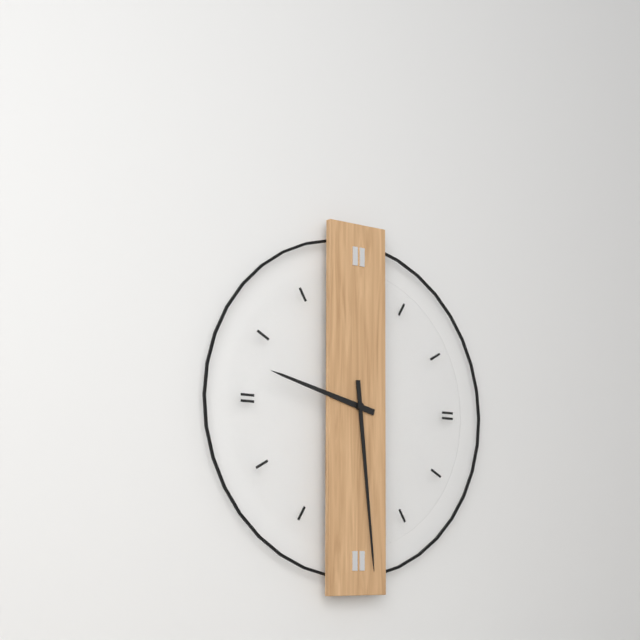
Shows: 9h29
